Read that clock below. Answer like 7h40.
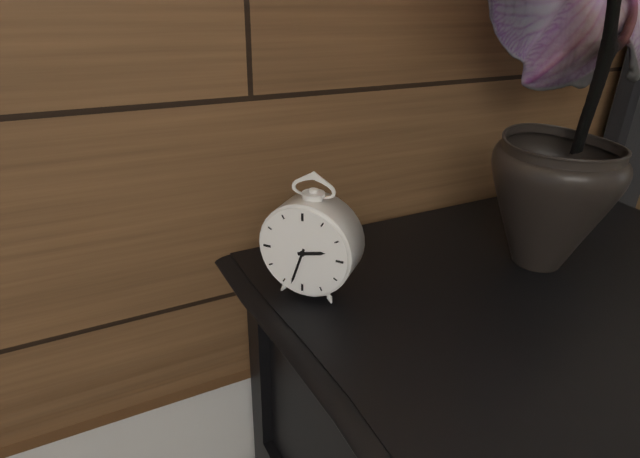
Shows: 2h33
